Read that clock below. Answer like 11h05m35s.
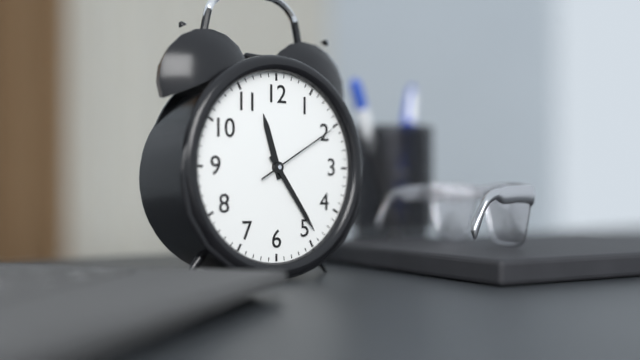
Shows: 11h24m10s
